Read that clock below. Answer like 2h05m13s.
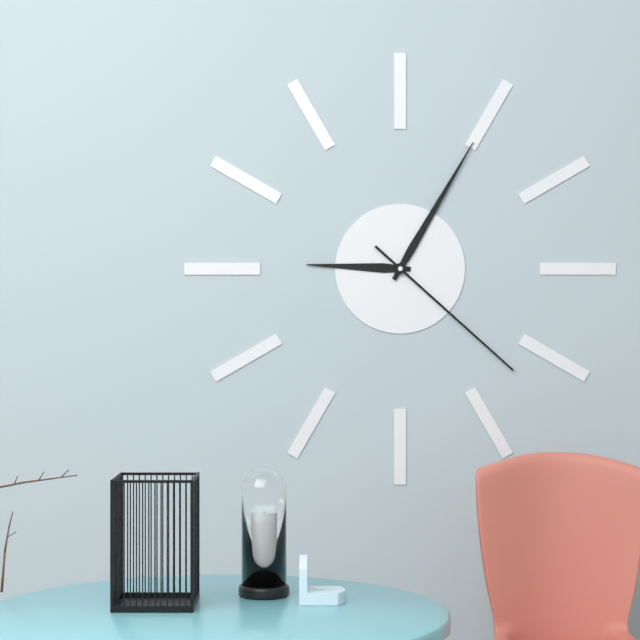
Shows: 9h05m22s
